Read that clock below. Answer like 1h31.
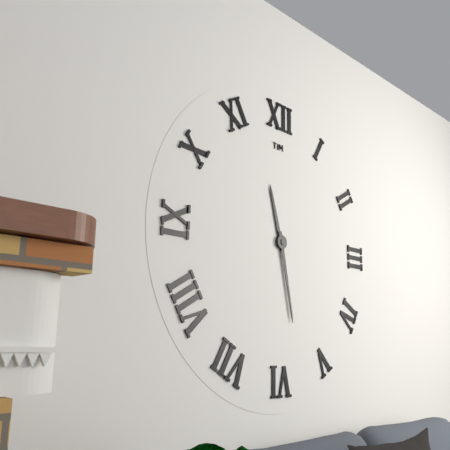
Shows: 11h28
